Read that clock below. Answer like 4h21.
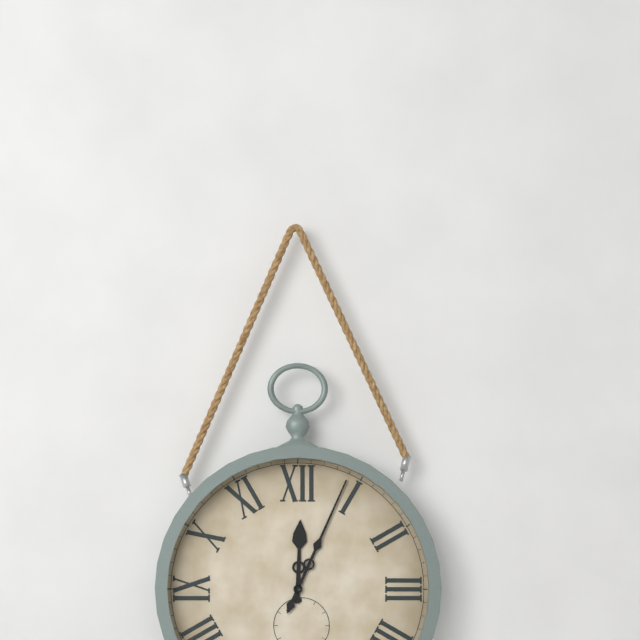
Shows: 12h04
